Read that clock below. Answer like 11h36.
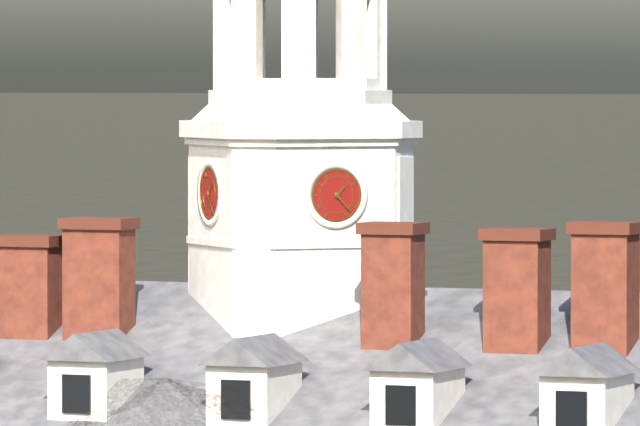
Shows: 1h23
